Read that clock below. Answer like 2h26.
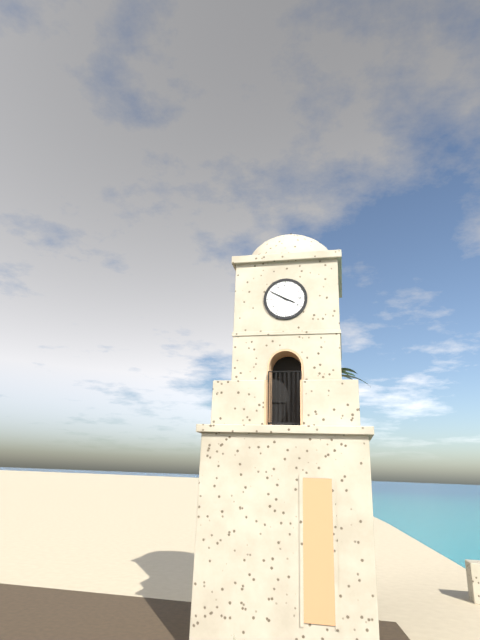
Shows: 3h50
